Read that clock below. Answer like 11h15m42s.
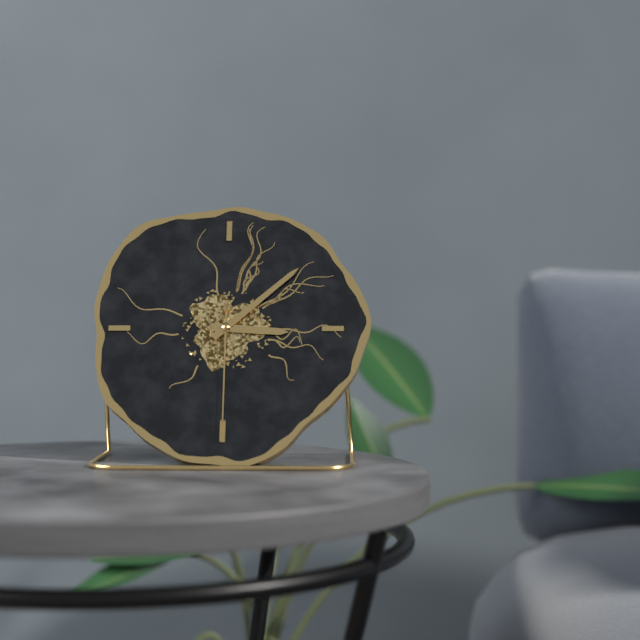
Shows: 3h08m30s
